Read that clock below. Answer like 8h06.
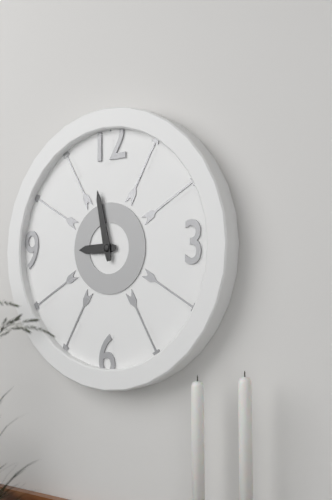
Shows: 8h58
